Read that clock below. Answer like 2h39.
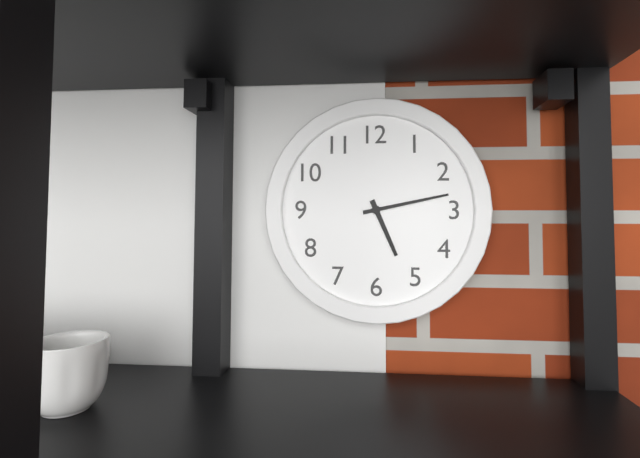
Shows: 5h13
